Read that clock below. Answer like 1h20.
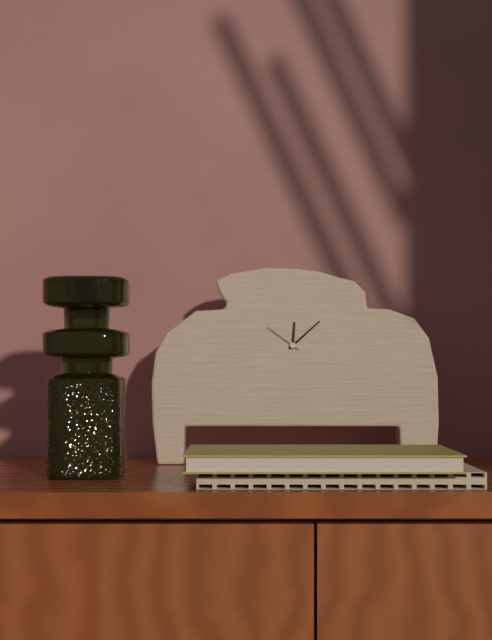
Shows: 12h08
